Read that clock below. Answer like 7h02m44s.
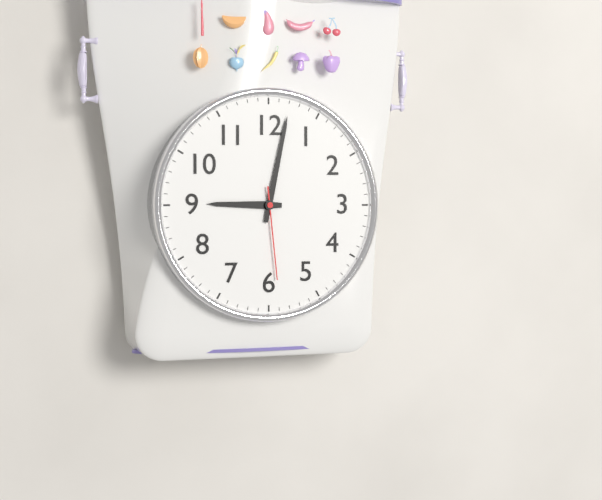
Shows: 9h02m29s
